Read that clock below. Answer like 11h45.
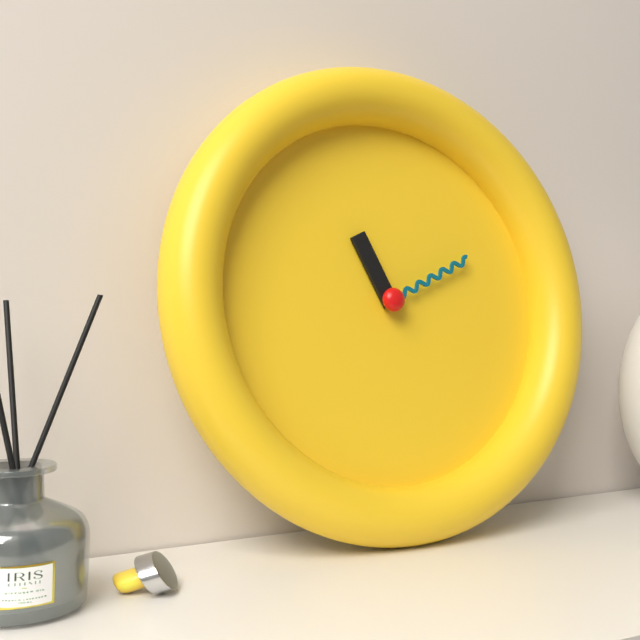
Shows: 11h11
